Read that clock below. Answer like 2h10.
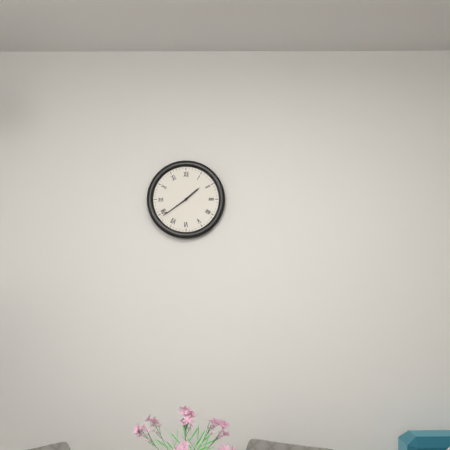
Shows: 1h39
